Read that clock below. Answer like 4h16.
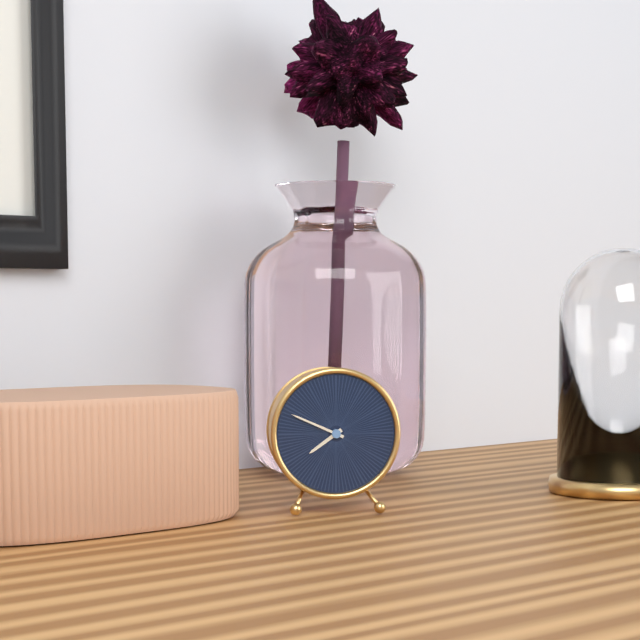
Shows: 7h49
